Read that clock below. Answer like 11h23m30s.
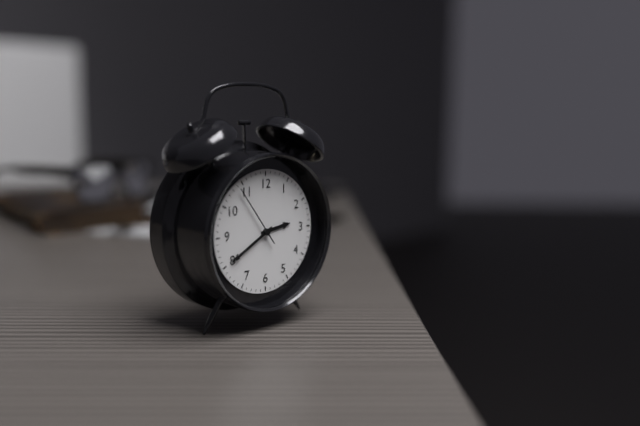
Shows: 2h40m54s
